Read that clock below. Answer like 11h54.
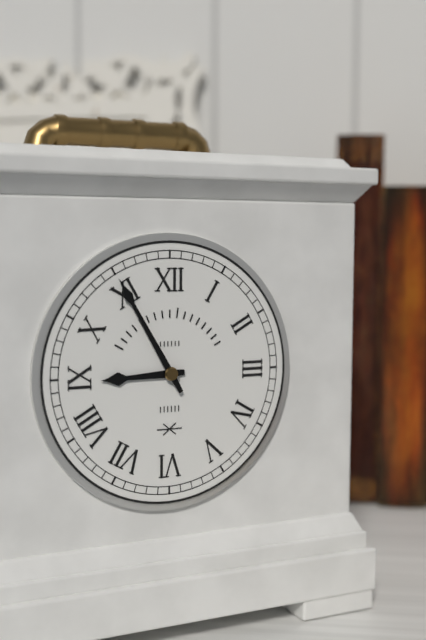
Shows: 8h55
